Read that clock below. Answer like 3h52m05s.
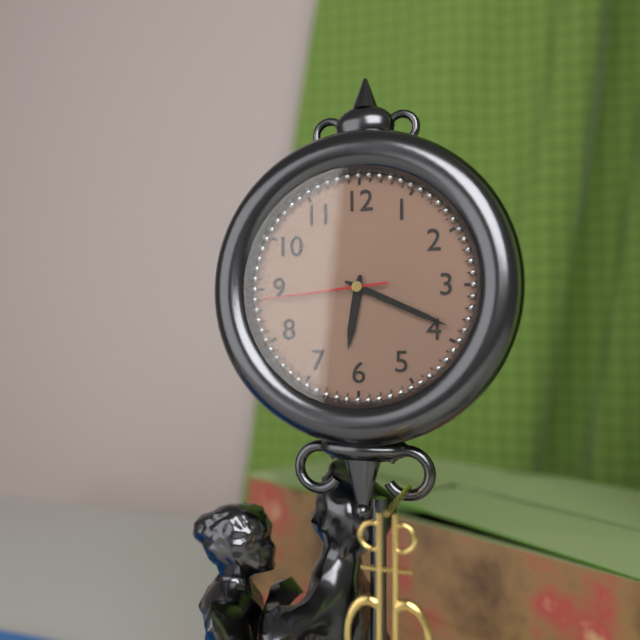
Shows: 6h19m44s
